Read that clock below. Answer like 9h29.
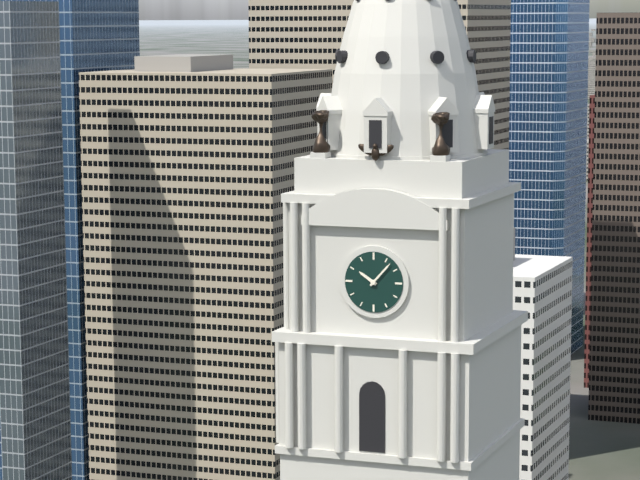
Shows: 10h07
